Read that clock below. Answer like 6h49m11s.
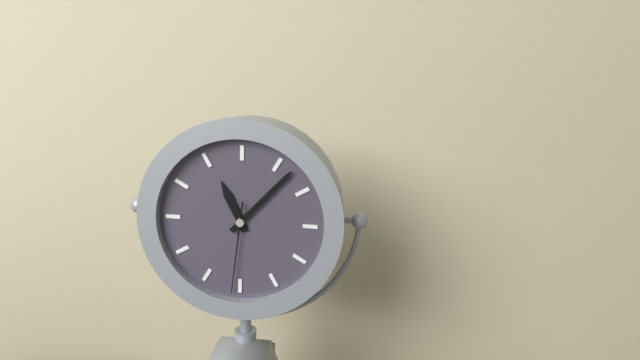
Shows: 11h07m31s
